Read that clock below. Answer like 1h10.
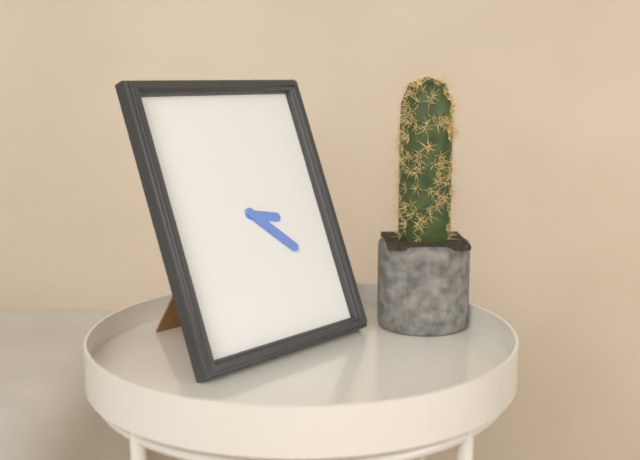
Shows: 3h22
